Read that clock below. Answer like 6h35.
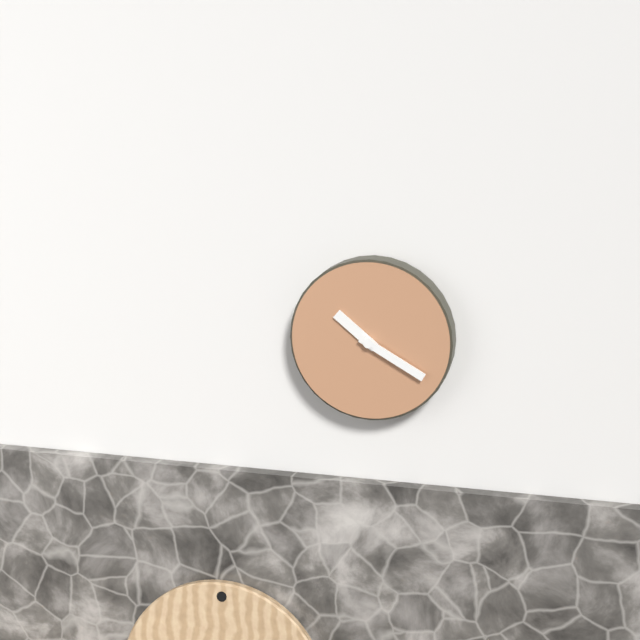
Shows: 10h20
